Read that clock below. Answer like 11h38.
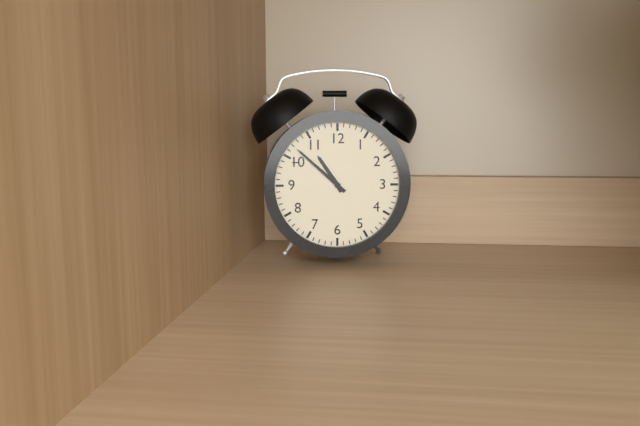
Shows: 10h52
